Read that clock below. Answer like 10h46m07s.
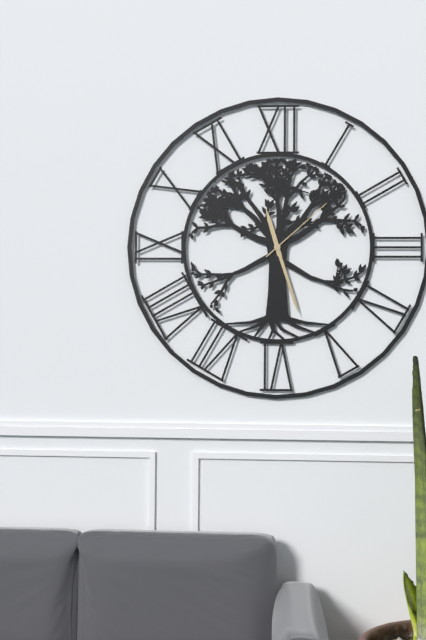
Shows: 11h27m08s
